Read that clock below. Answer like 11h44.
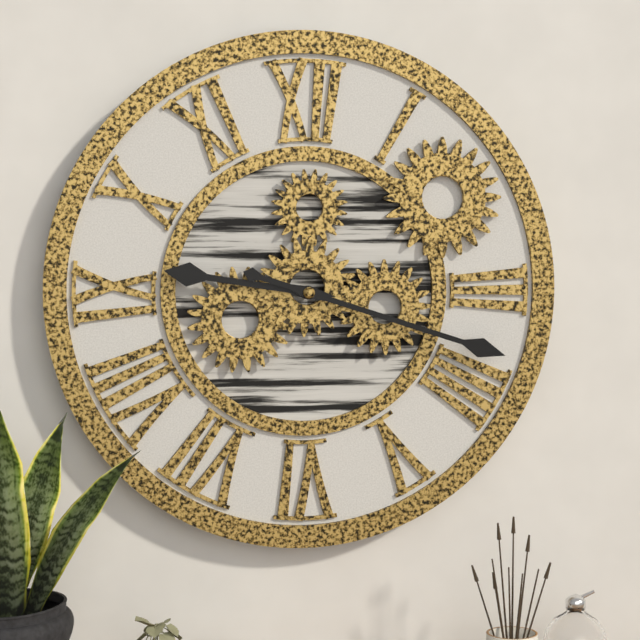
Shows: 9h18
